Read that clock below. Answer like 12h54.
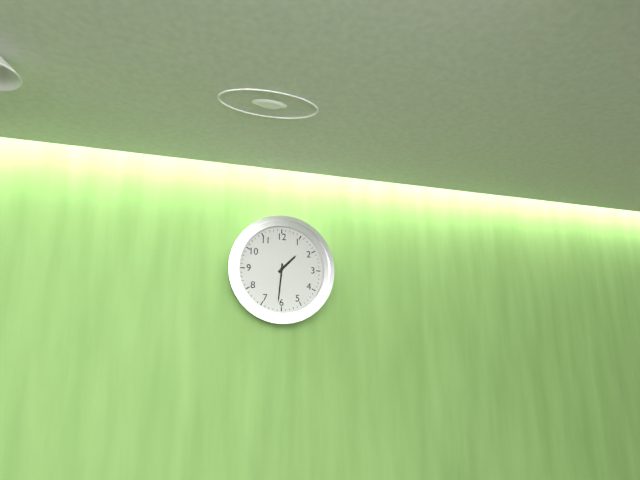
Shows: 1h31
